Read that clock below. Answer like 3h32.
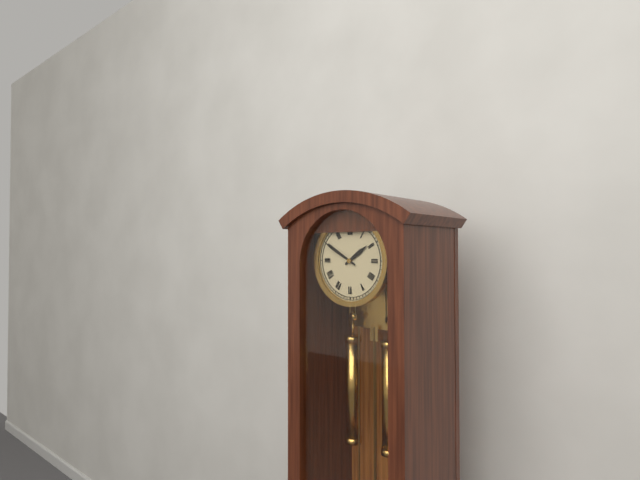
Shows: 1h50
